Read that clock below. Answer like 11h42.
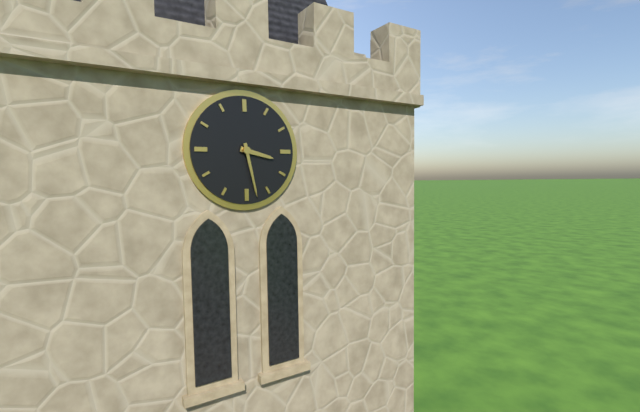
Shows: 3h28
